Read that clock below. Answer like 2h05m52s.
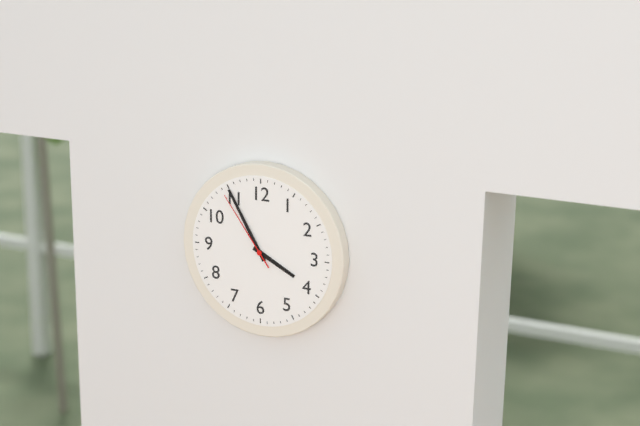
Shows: 3h55m54s
